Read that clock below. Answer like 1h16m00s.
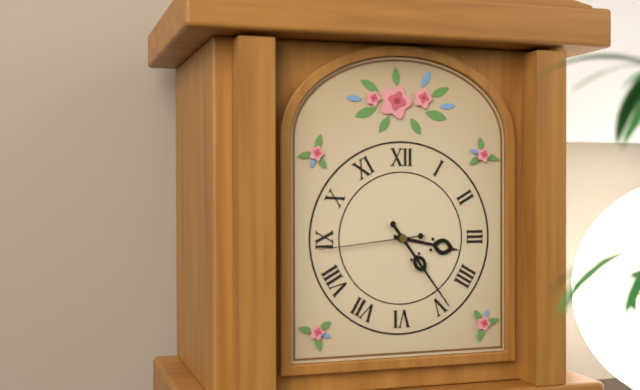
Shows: 3h24m44s
